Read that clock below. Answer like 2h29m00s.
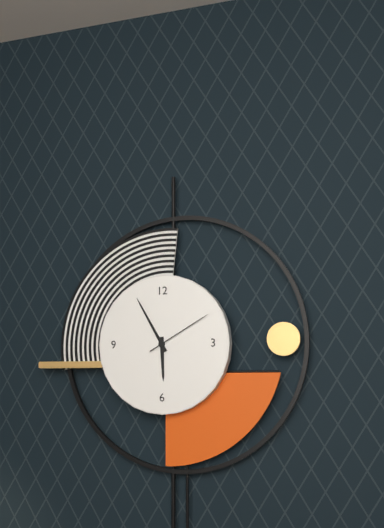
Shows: 5h55m10s
